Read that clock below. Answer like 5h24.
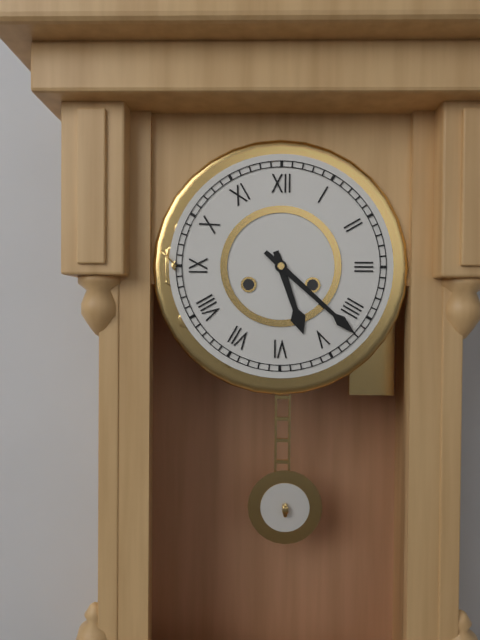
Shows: 5h22
